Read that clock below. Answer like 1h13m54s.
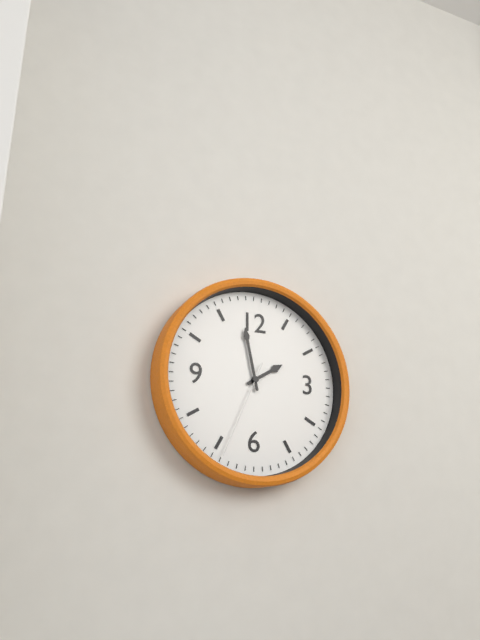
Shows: 1h58m34s
